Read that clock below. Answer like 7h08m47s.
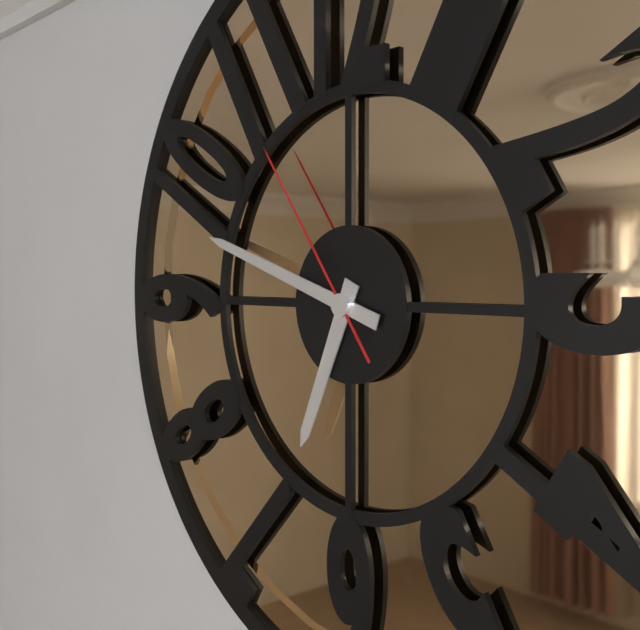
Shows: 6h48m54s
